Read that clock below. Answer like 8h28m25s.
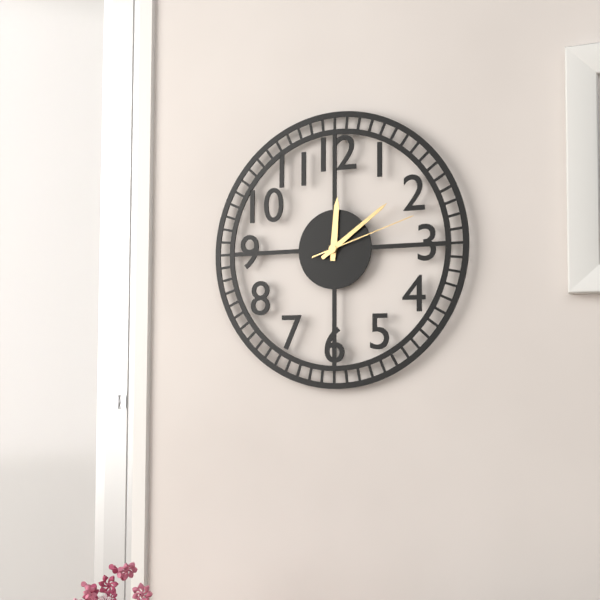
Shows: 12h09m12s
